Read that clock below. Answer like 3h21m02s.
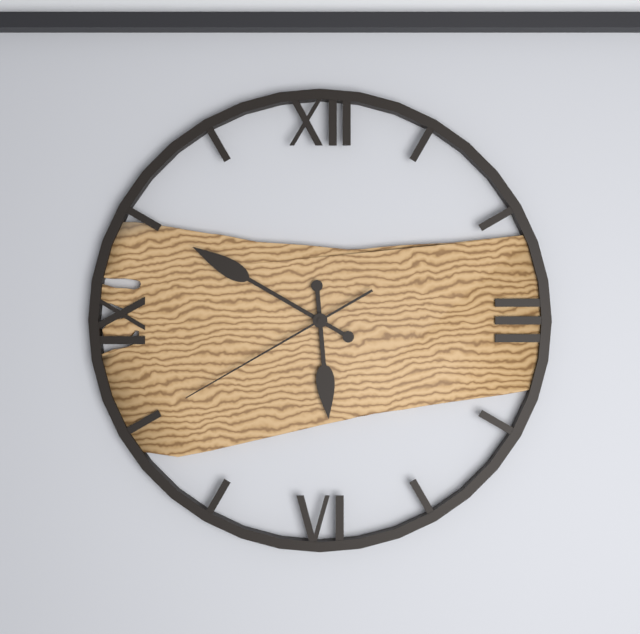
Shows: 5h50m40s
